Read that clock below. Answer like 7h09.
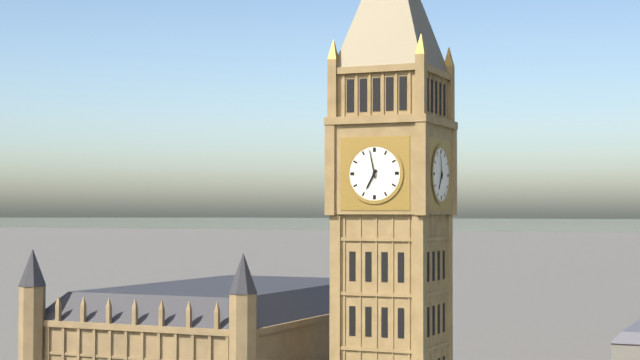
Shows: 6h58
